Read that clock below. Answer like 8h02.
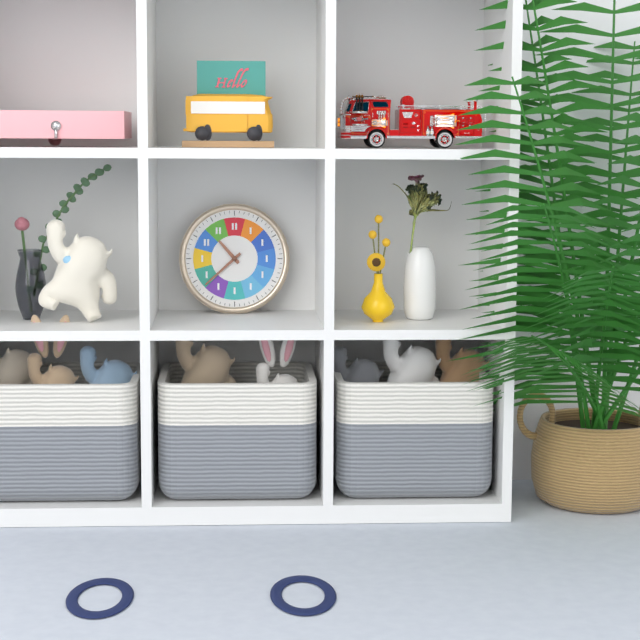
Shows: 10h38
